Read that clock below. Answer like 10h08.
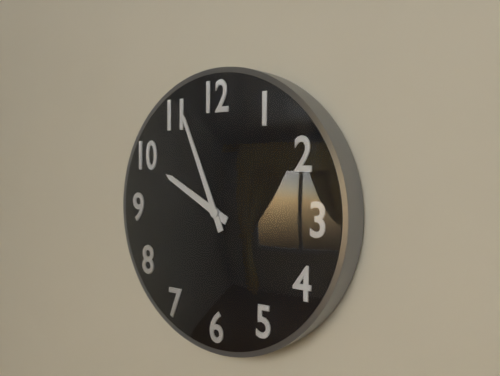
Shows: 9h56
